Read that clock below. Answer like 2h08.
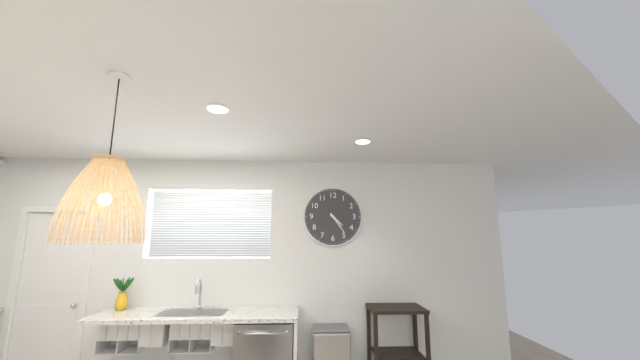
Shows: 4h24
